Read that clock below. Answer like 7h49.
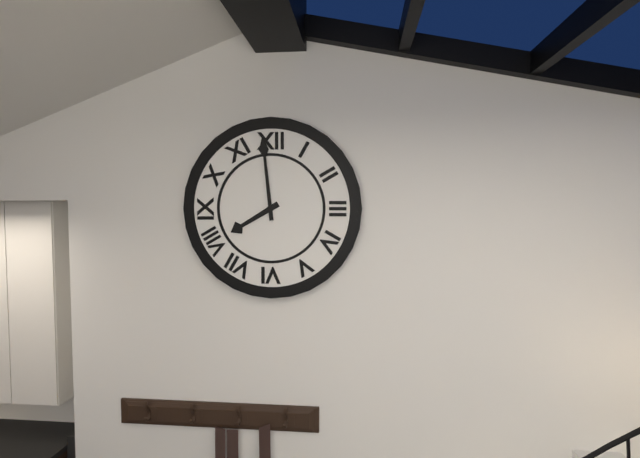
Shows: 7h59
